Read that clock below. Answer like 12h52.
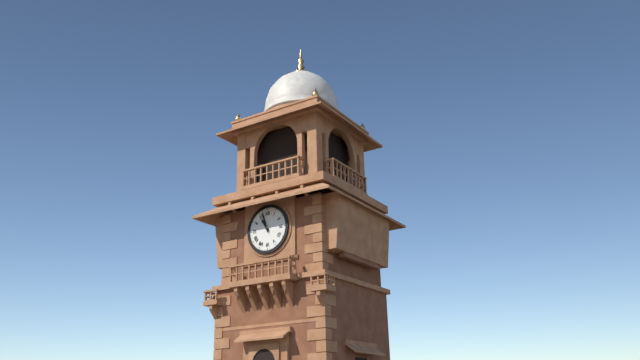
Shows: 10h57
